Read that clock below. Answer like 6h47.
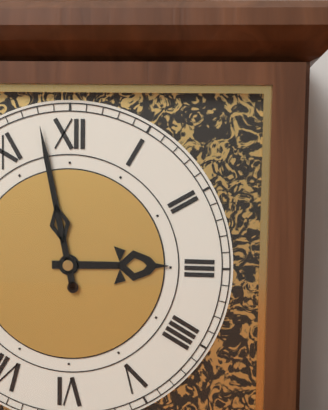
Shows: 2h58
